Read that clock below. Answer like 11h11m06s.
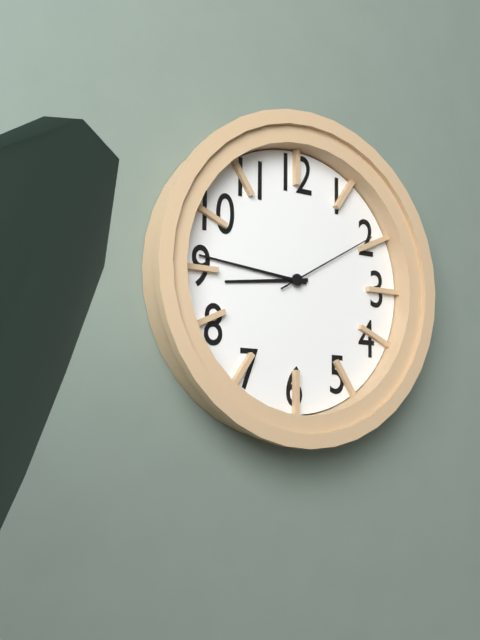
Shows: 8h46m10s
